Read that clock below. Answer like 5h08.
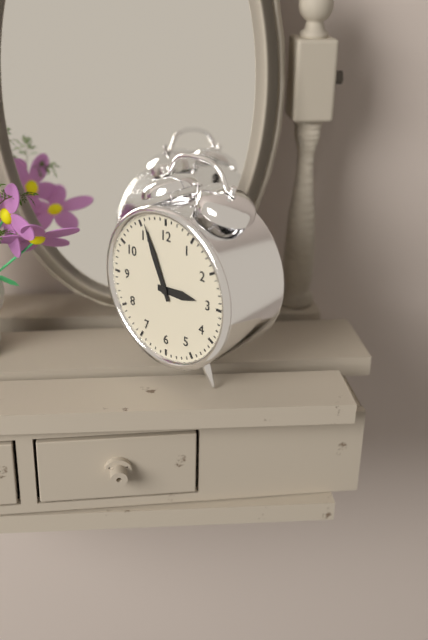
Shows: 2h56
